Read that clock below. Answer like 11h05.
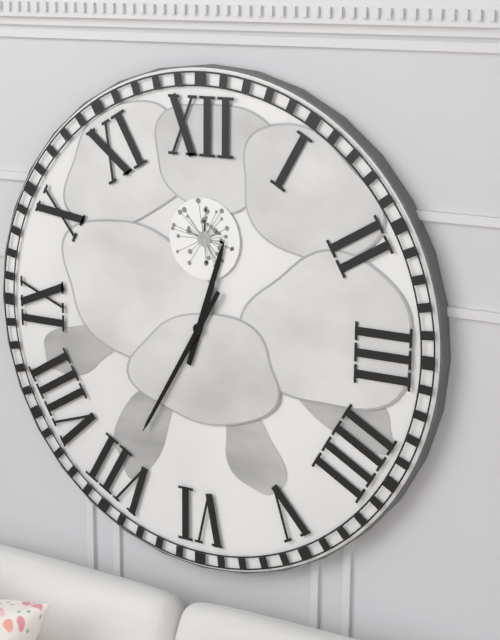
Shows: 12h35
